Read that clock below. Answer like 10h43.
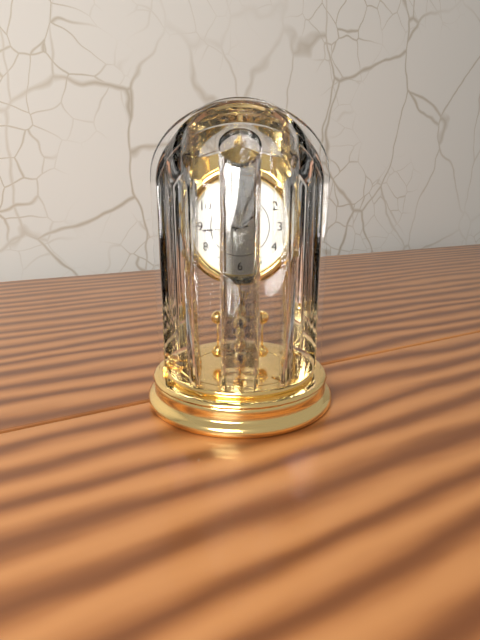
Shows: 1h44
